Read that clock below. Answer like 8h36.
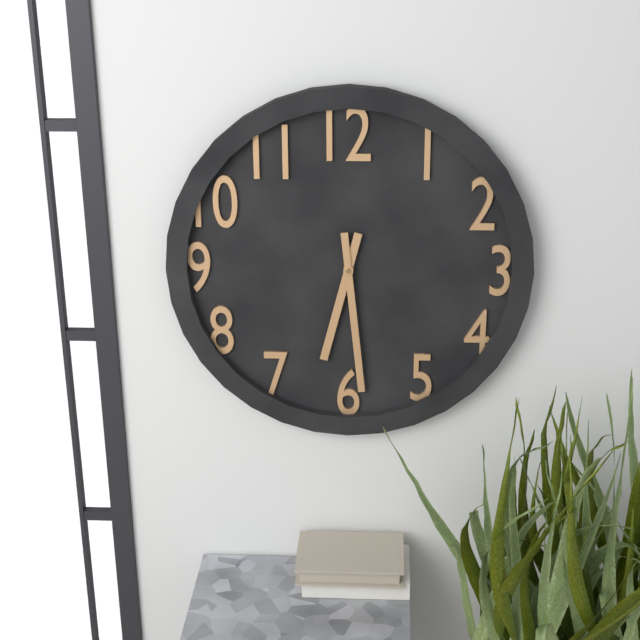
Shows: 6h29
